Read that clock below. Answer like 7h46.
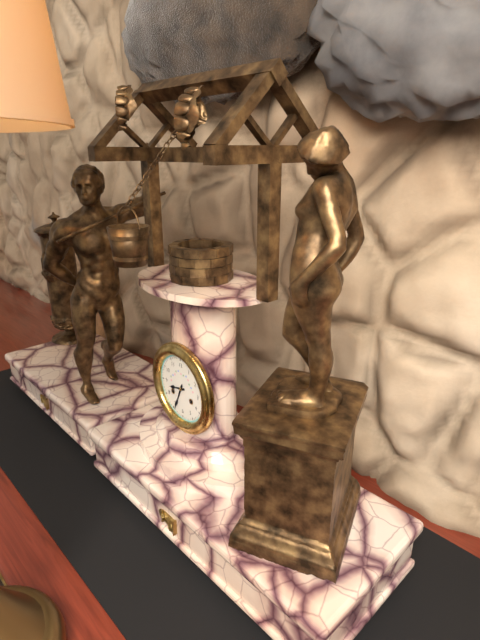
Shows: 8h34
